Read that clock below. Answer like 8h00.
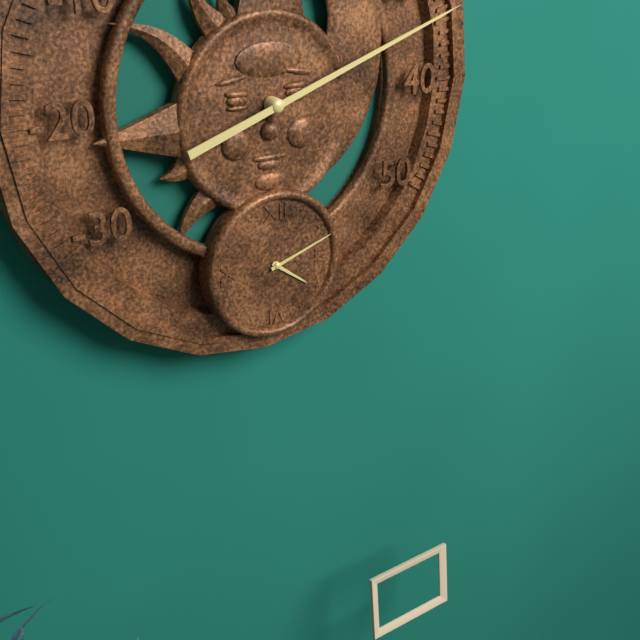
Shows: 4h12
